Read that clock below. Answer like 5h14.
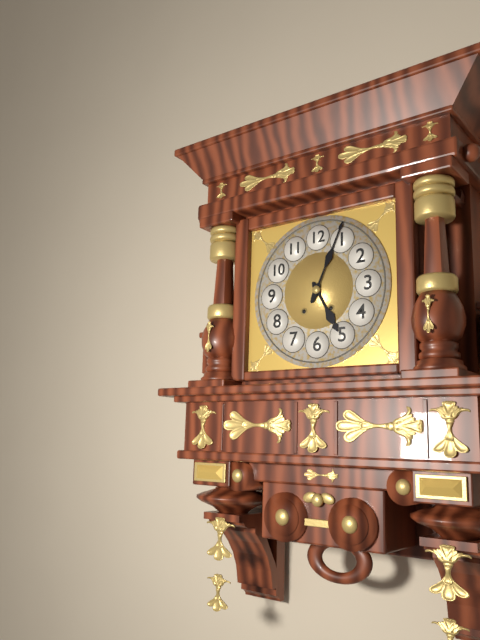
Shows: 5h04
